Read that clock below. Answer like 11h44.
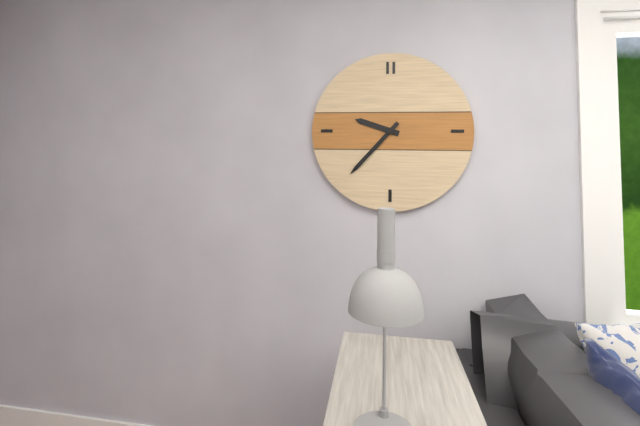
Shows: 9h37
